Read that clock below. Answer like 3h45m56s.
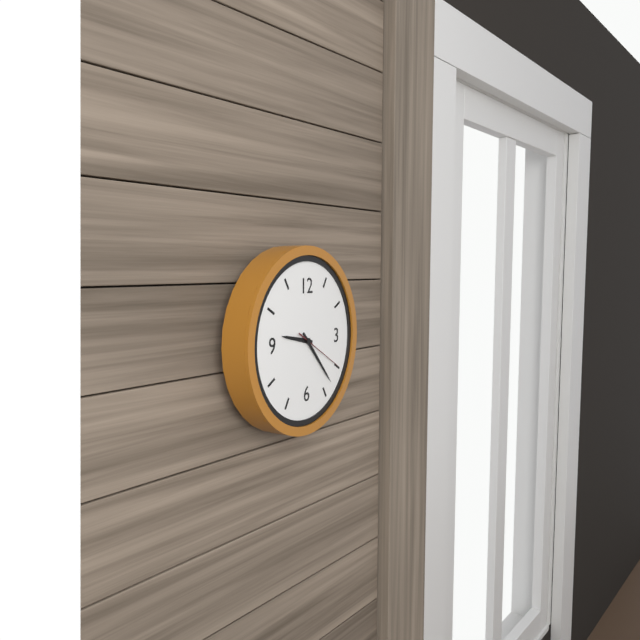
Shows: 9h23m20s
